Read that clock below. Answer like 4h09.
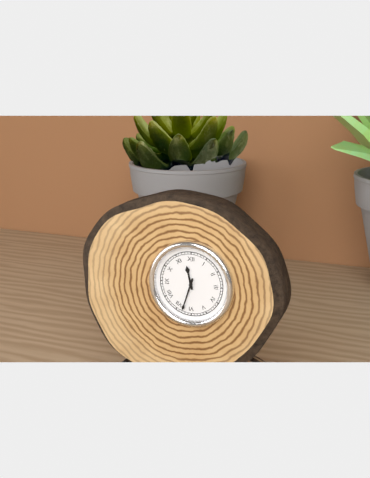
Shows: 11h33
